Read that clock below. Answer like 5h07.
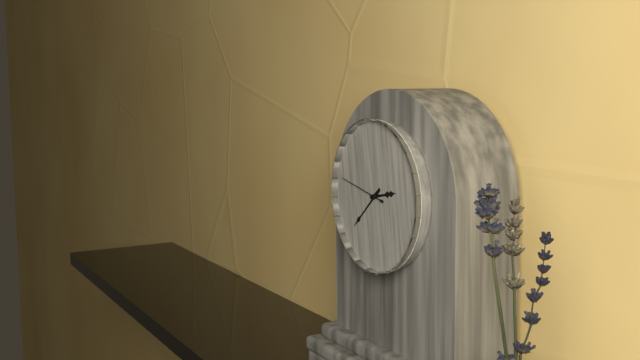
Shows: 2h38
